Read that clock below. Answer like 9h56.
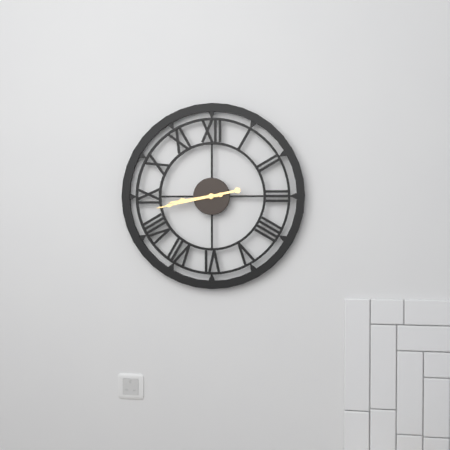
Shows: 8h43
